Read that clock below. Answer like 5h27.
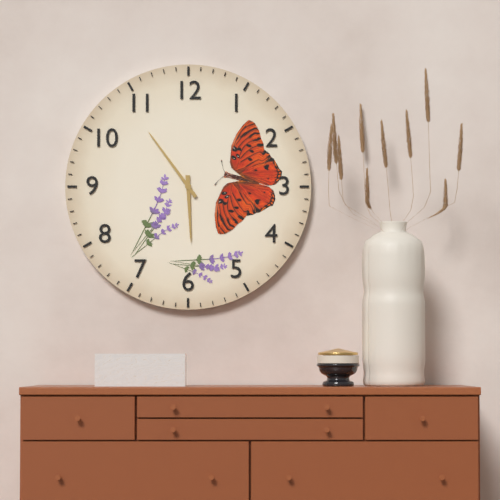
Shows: 5h54
